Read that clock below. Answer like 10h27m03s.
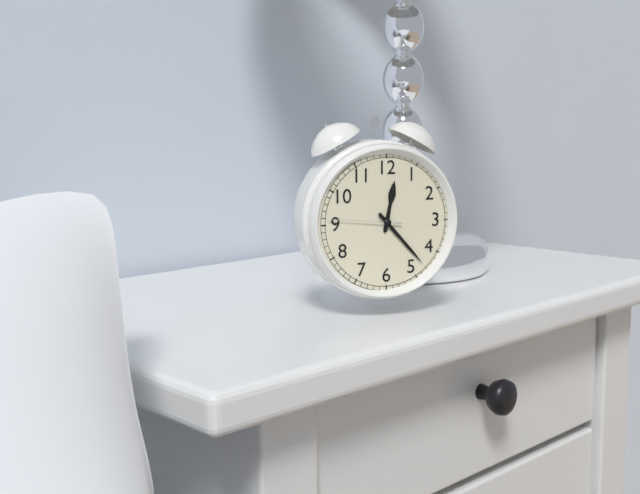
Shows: 12h23m46s
